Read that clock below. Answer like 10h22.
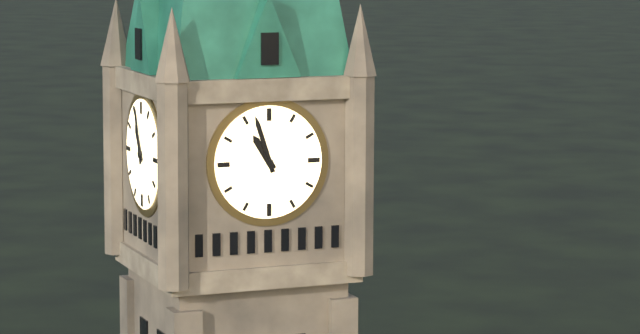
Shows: 10h57
